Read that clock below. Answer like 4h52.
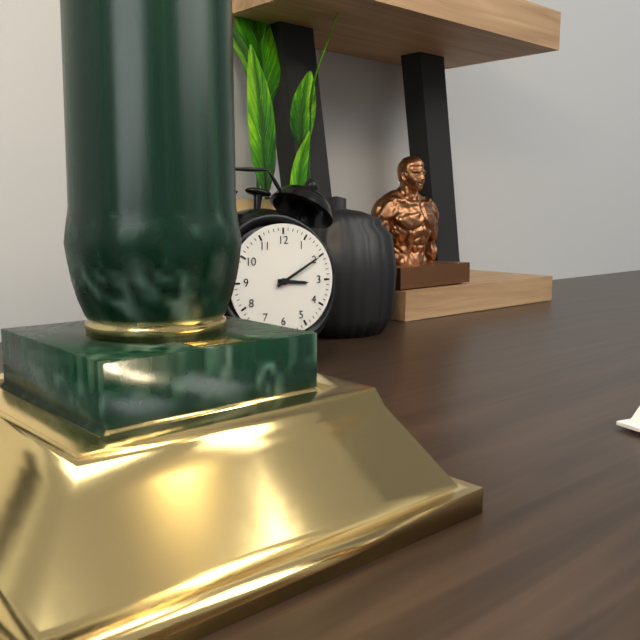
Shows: 3h10
